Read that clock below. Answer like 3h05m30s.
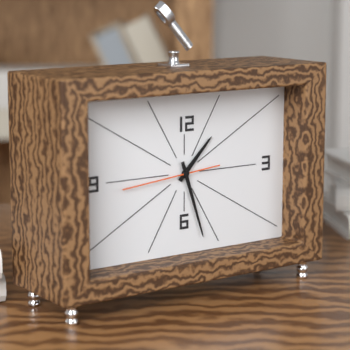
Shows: 1h27m44s
